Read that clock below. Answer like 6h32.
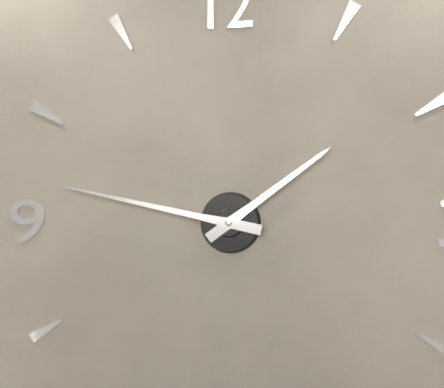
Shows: 1h47
